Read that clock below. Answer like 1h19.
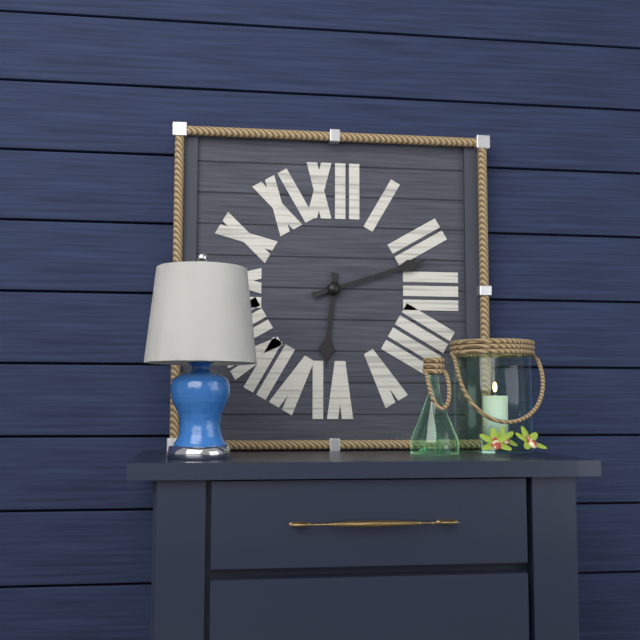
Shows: 6h12
